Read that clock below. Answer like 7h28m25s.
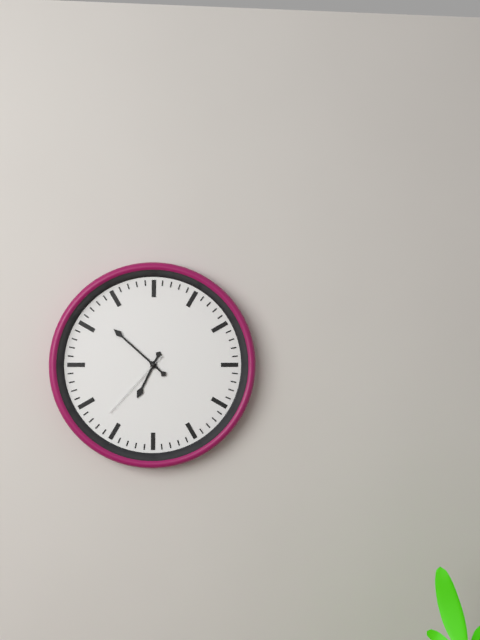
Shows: 6h52m37s
